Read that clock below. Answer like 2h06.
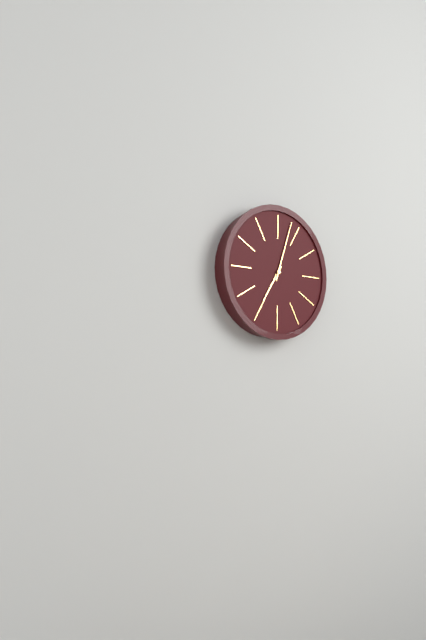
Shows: 7h03
